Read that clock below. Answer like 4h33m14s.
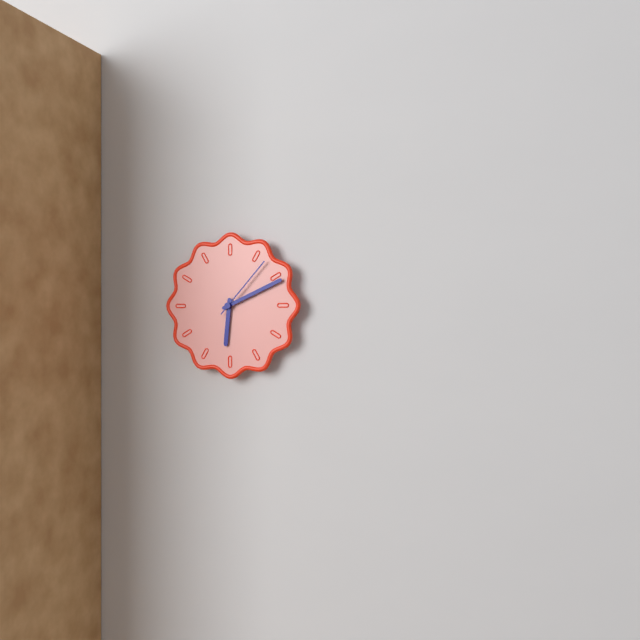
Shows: 6h11m07s
